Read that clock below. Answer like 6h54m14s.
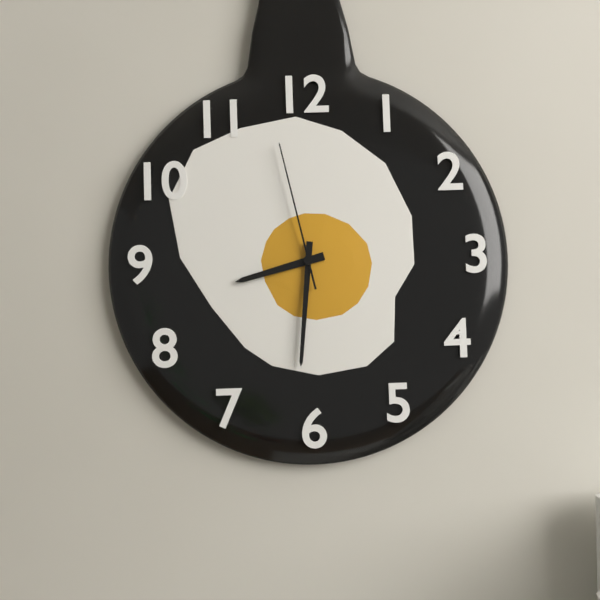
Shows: 8h31m58s
